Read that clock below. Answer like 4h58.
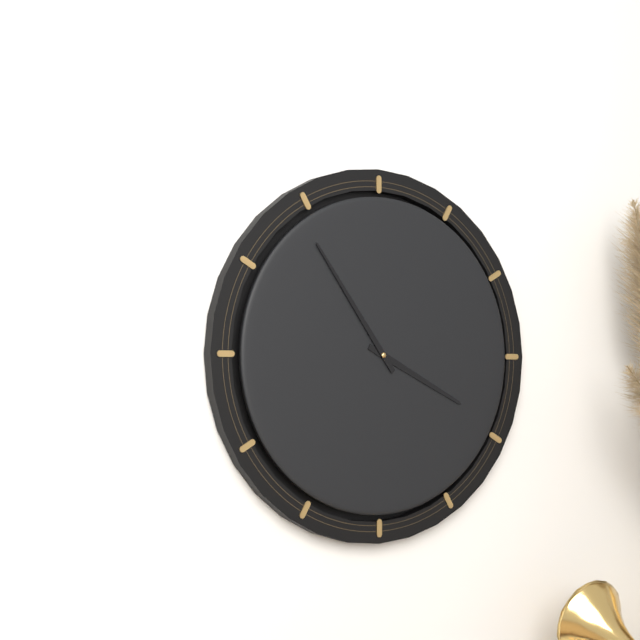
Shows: 3h54
